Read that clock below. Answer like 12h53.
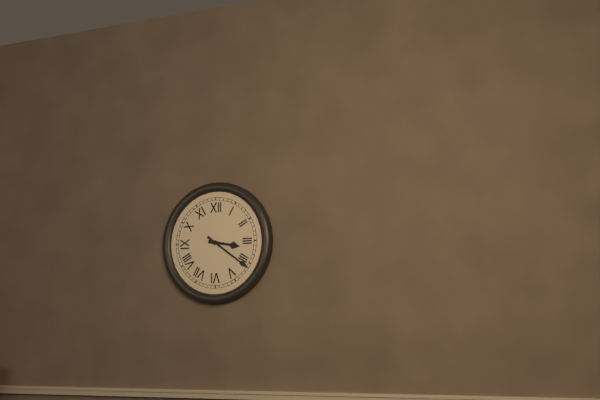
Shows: 3h21
